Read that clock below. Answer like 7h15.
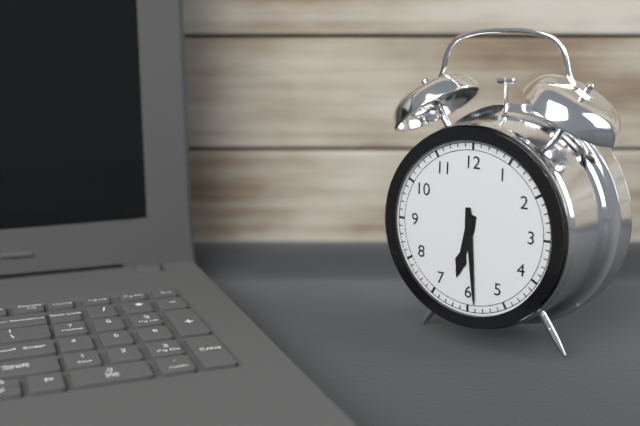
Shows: 6h29
